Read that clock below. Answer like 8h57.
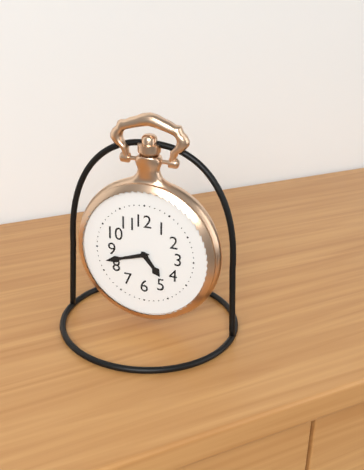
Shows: 4h42
